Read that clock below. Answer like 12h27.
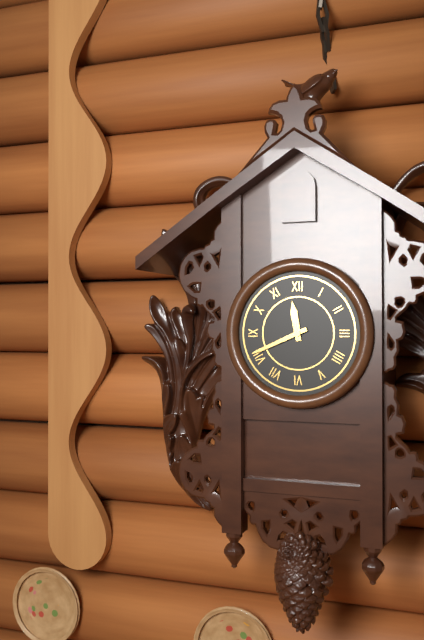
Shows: 11h41
